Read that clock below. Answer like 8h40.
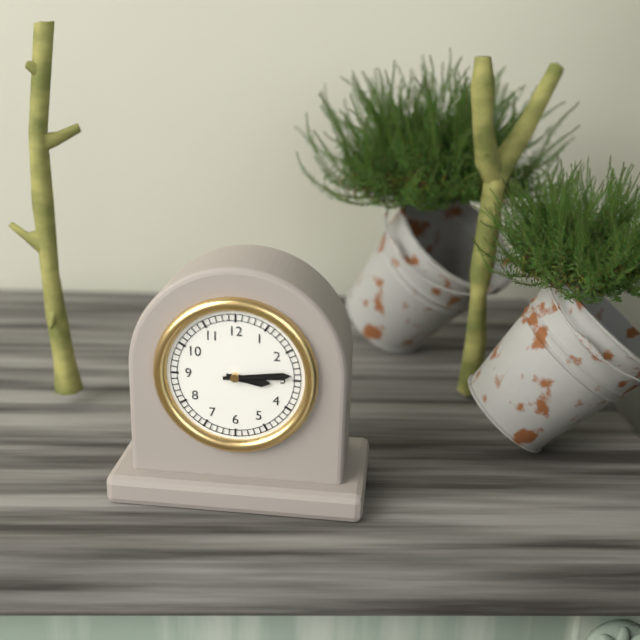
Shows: 3h14
